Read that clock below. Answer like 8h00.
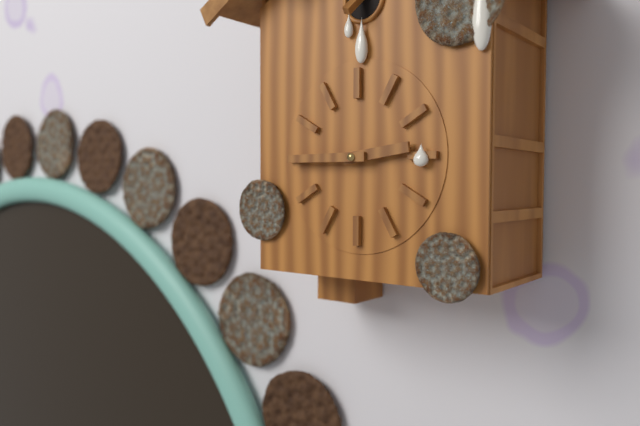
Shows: 2h45
